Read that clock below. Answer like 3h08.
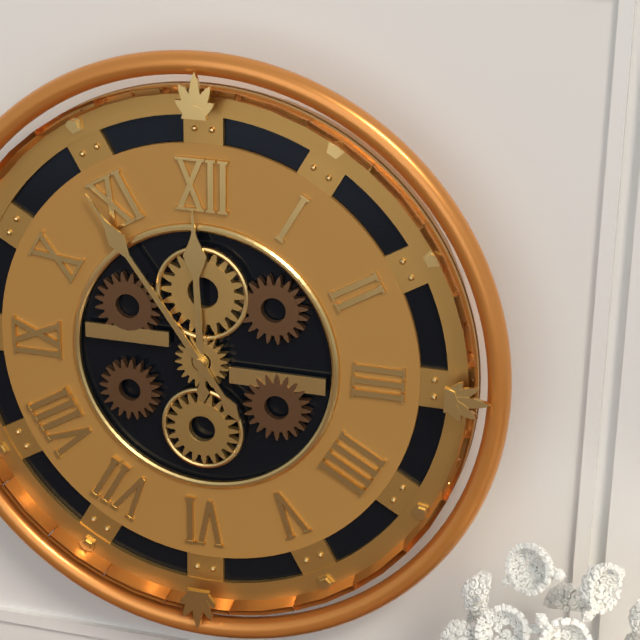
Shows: 11h54
